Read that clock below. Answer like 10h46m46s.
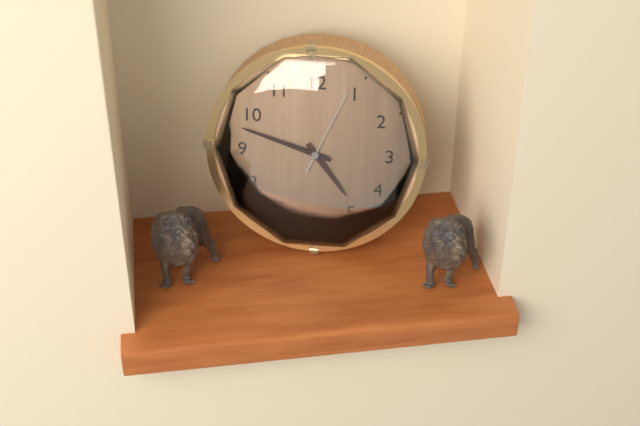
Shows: 4h48m04s
